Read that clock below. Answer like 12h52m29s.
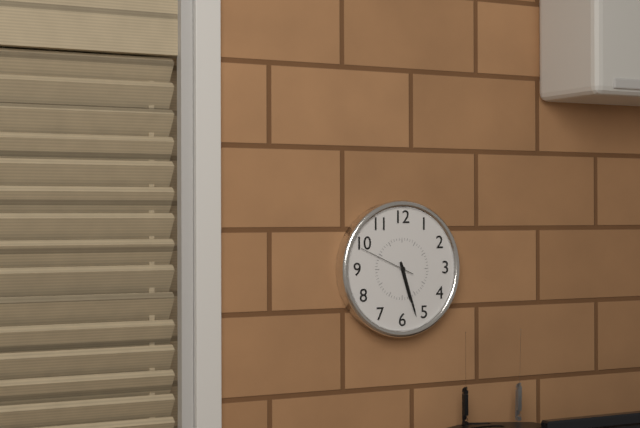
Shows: 5h27m49s
